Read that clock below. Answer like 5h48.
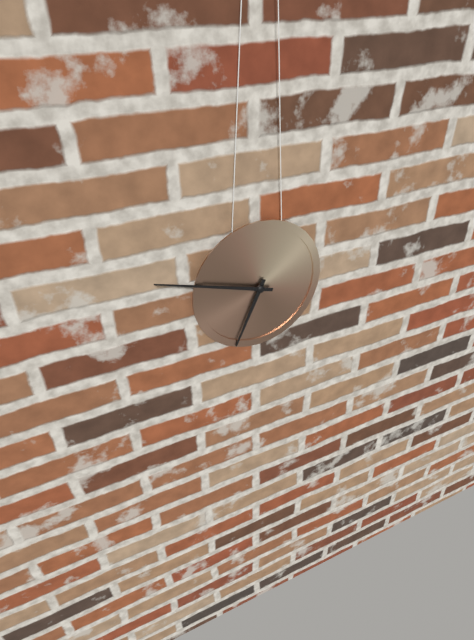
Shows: 6h48
